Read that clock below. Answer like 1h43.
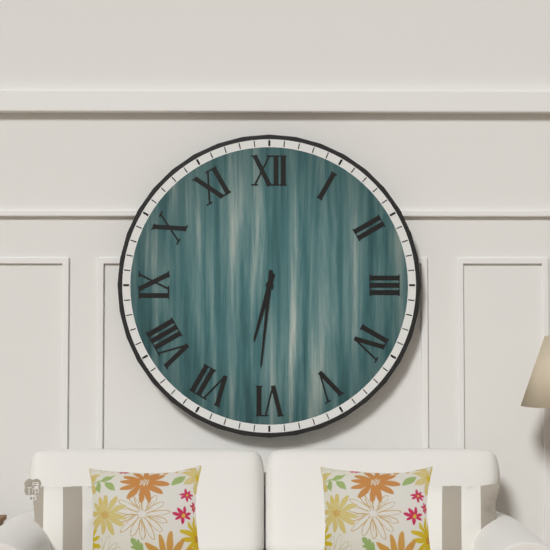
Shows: 6h31
